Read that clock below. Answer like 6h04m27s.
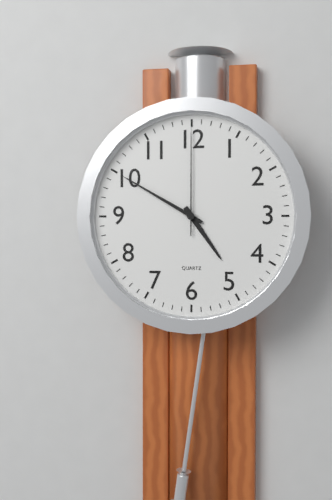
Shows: 4h50m00s
